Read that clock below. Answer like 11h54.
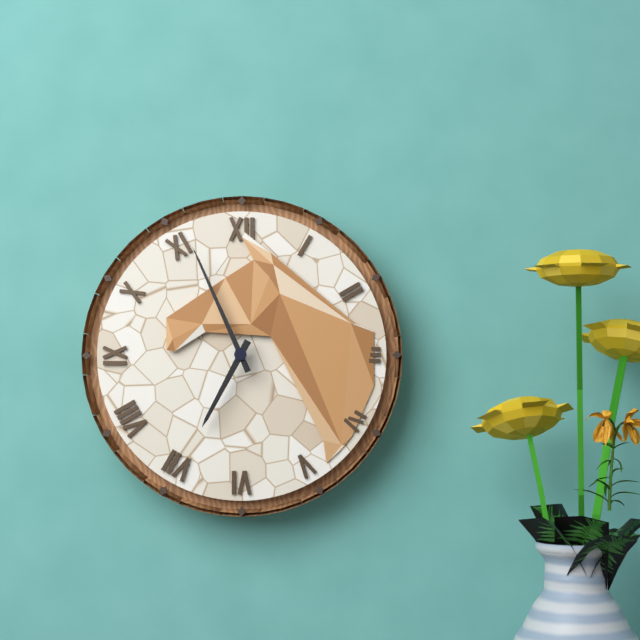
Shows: 6h56
